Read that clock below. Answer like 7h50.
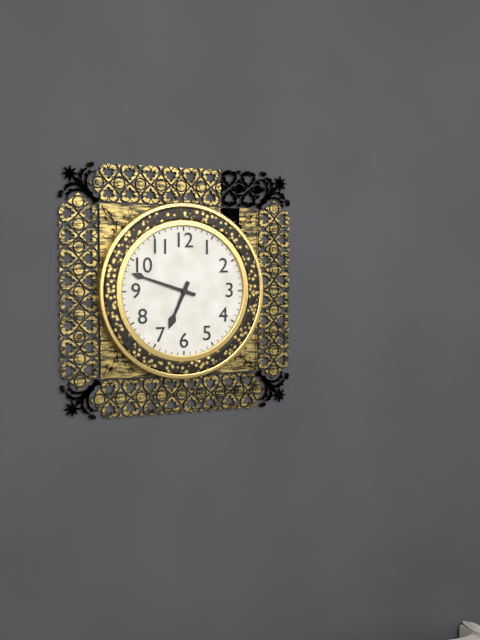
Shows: 6h48
